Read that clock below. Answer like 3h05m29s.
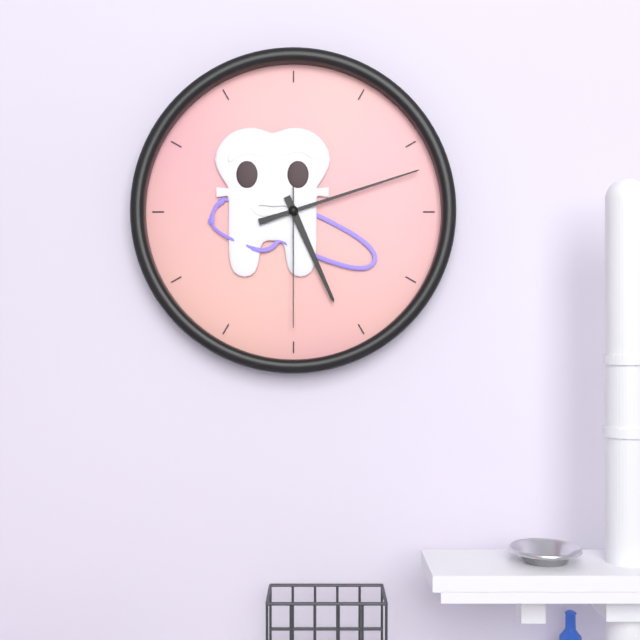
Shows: 5h12m30s
